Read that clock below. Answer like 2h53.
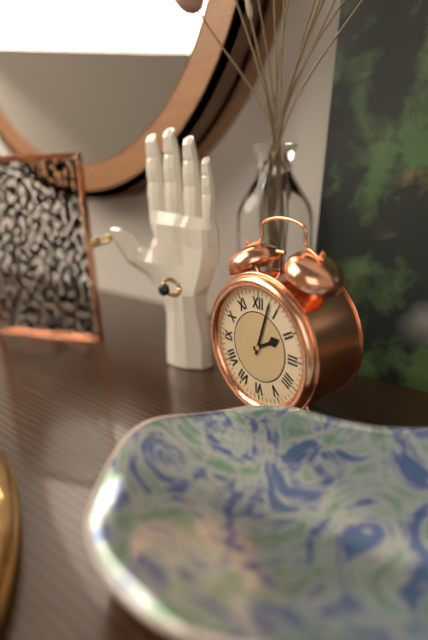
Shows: 2h03
